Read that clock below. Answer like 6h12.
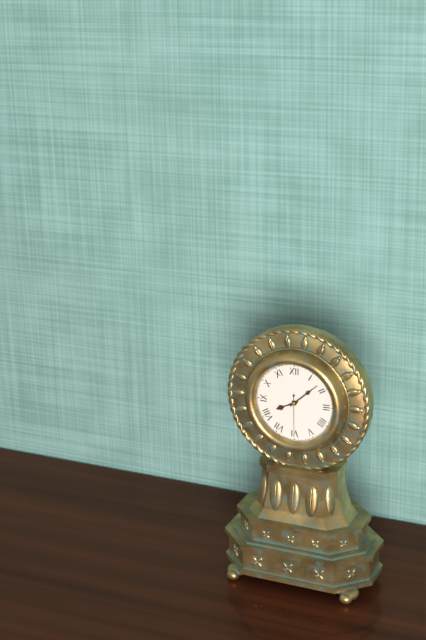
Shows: 8h08
